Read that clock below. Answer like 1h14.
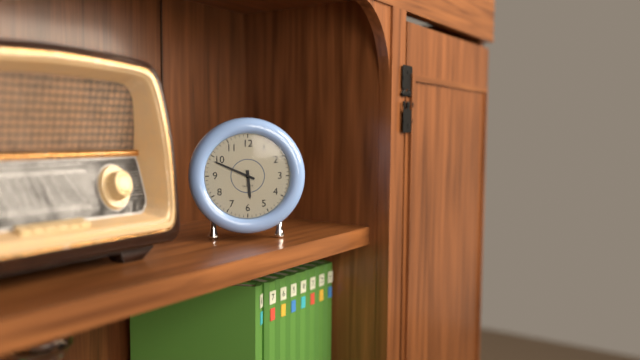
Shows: 5h49
